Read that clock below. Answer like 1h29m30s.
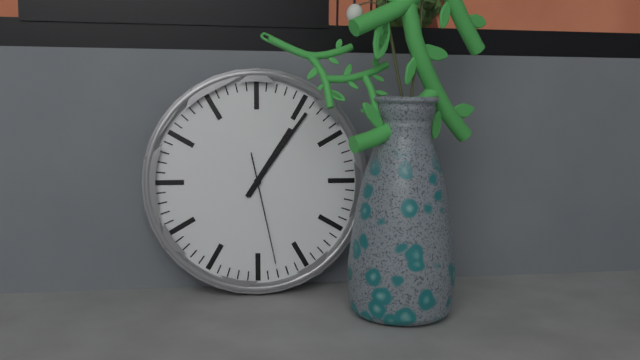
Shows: 1h06m28s
